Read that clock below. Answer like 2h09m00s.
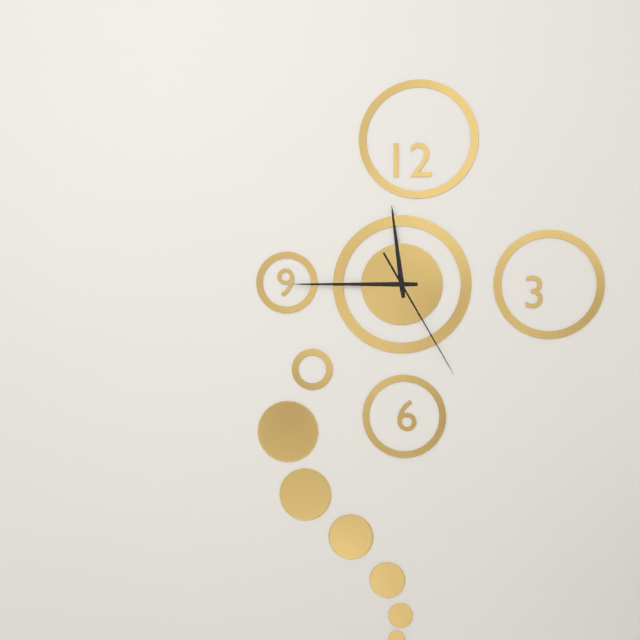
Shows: 11h45m25s
